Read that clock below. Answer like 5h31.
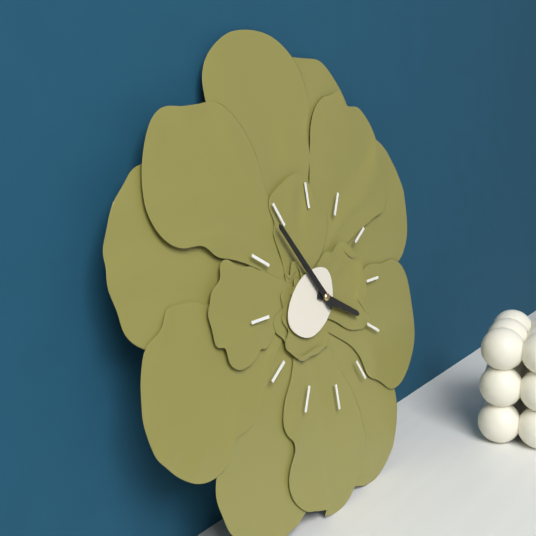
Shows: 3h54
